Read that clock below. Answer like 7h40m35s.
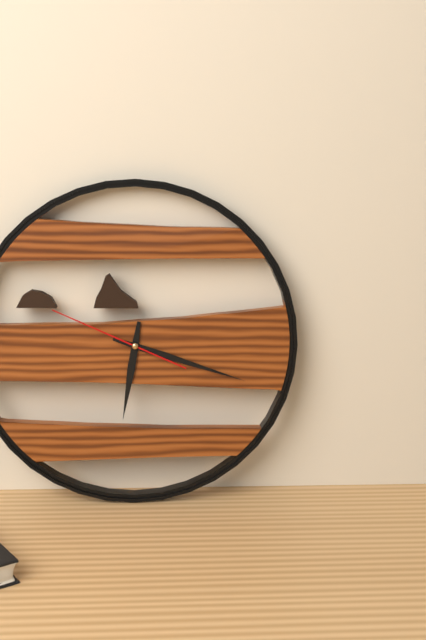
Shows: 6h18m49s
